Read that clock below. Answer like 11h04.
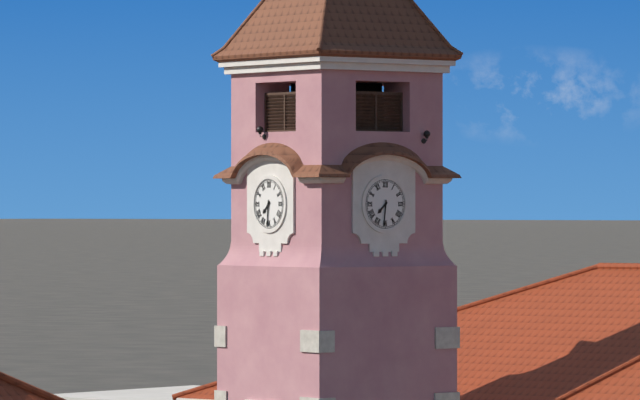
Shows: 7h31
